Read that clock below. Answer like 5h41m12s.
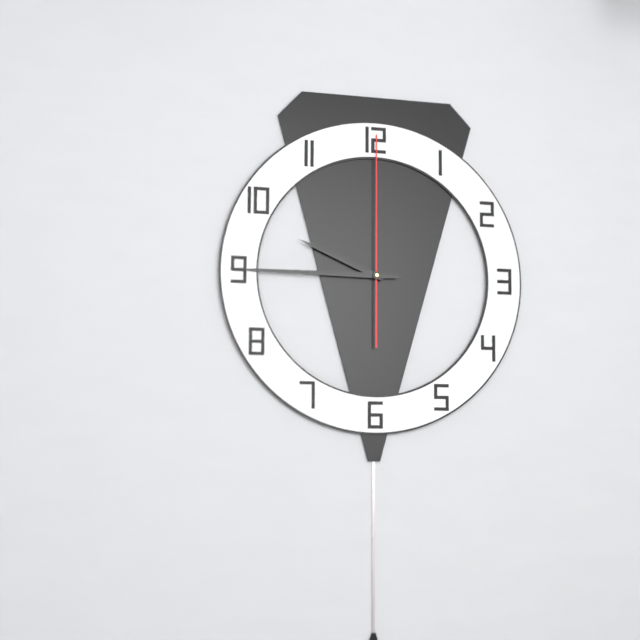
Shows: 9h45m00s
